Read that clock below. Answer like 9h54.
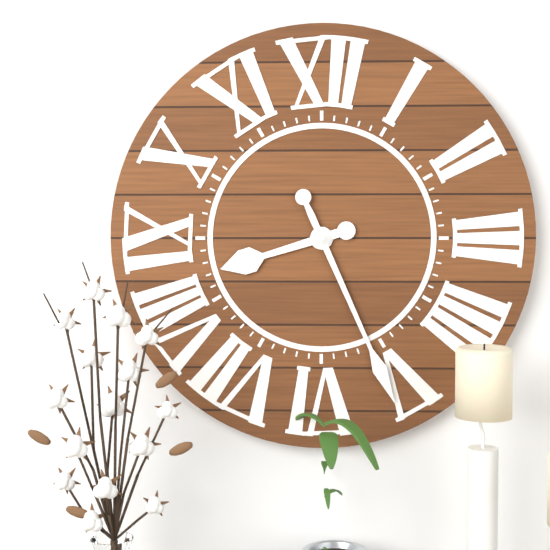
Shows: 8h26
